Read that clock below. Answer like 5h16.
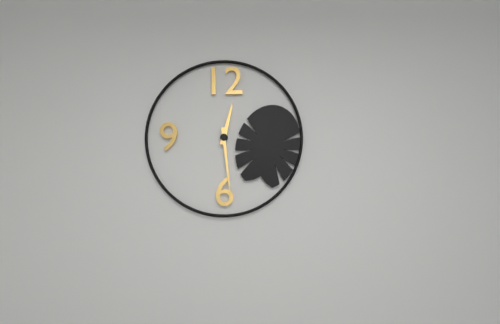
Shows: 12h29
